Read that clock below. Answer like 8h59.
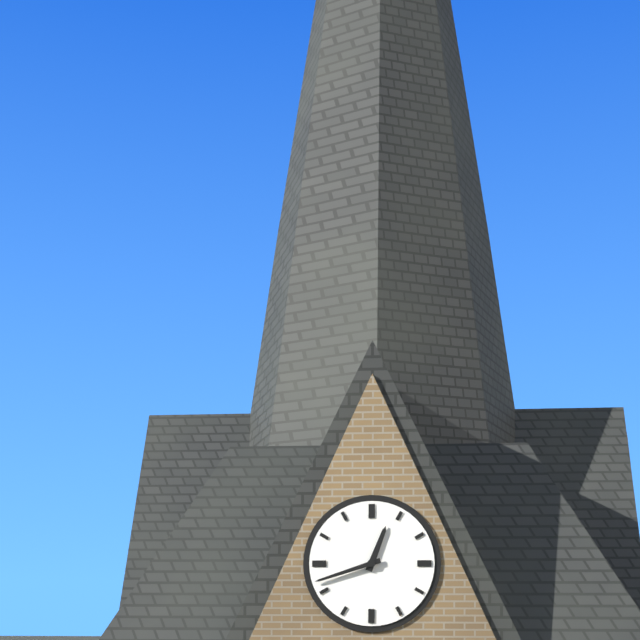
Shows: 12h42
